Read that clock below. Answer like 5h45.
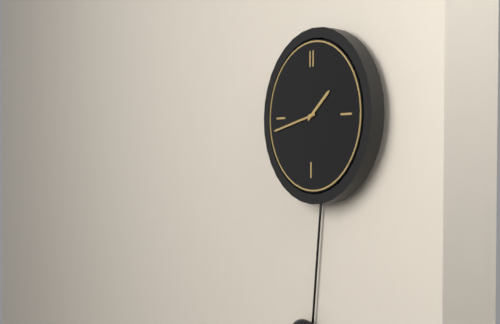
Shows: 1h43
